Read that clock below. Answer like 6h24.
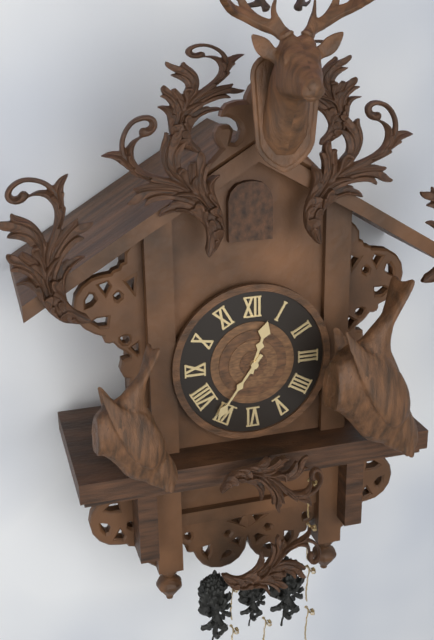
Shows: 12h36
